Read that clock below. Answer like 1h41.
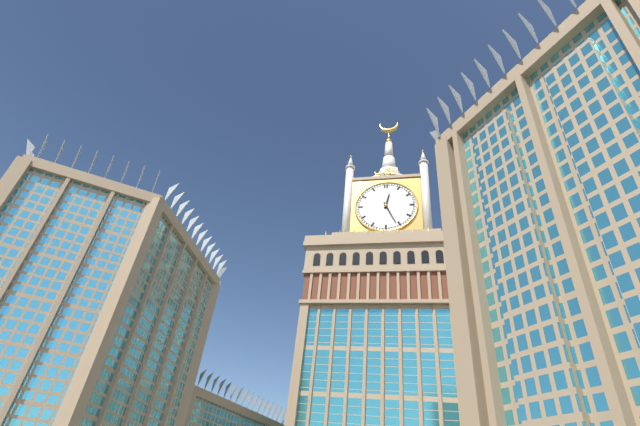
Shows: 12h26
